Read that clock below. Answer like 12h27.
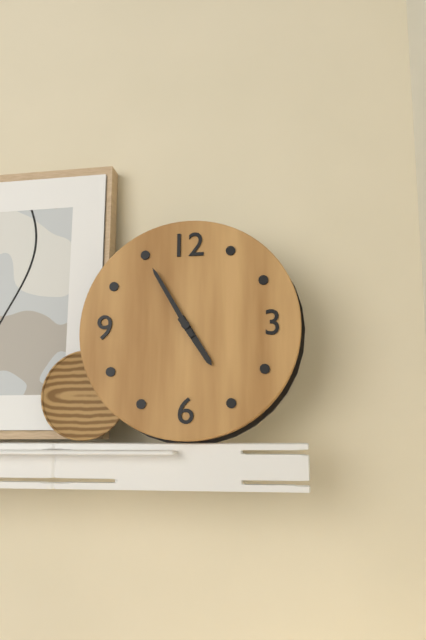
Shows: 4h55
